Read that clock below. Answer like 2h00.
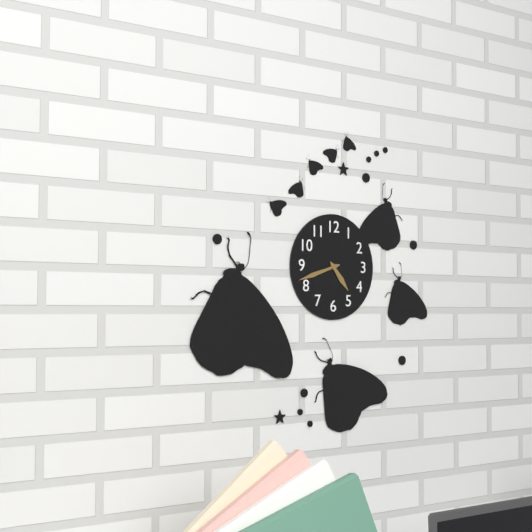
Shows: 4h42
